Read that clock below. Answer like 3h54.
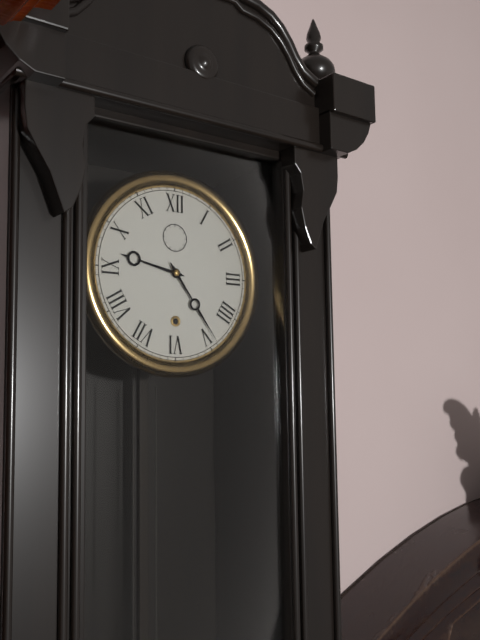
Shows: 9h24
